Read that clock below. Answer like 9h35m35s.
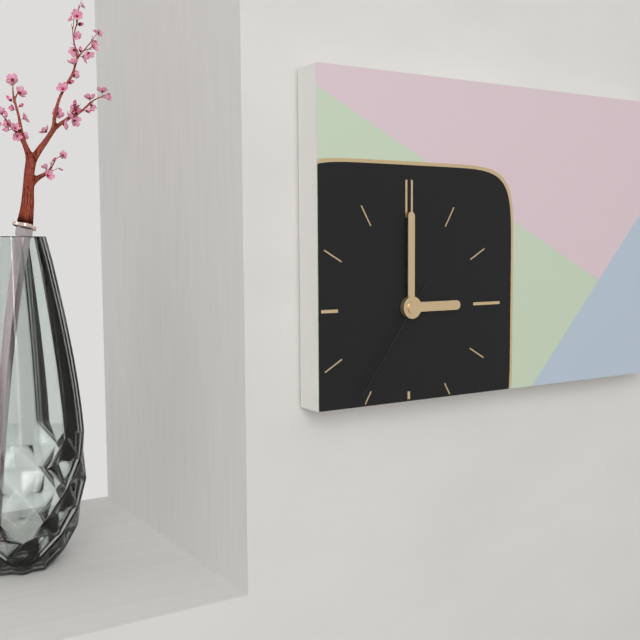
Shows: 3h00m36s
